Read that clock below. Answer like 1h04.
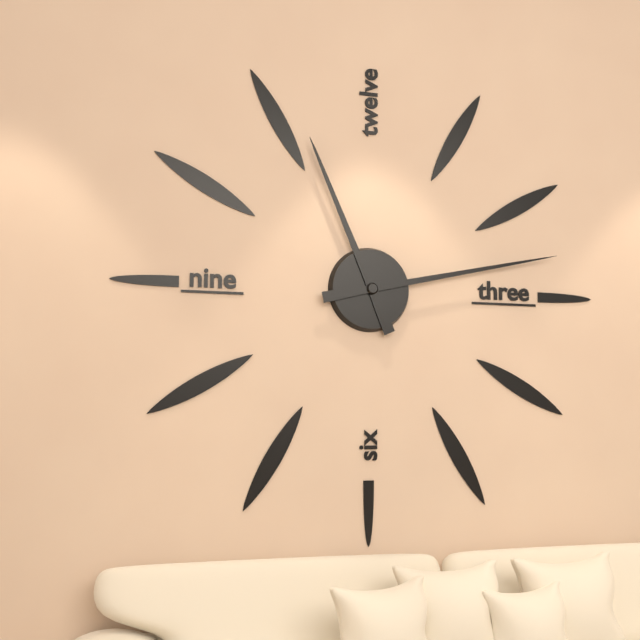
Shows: 11h13
